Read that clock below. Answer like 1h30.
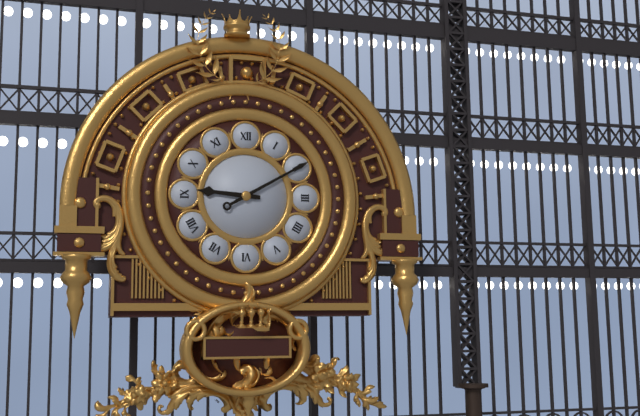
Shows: 9h10
